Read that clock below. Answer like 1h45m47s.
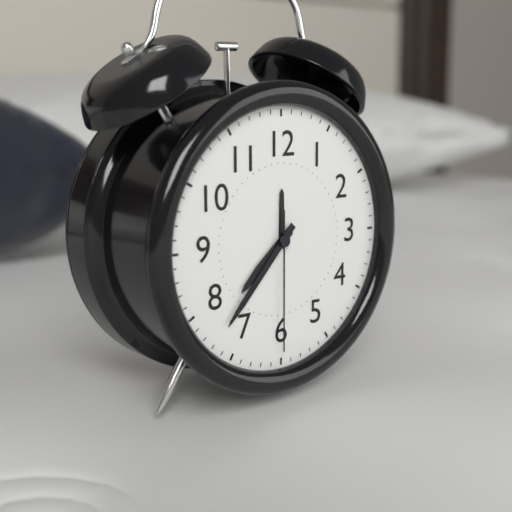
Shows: 7h37m30s
